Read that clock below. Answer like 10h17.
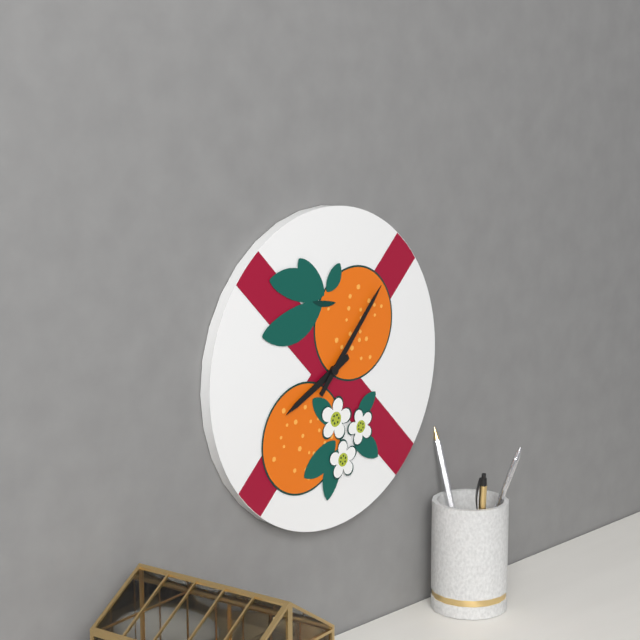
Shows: 8h07
